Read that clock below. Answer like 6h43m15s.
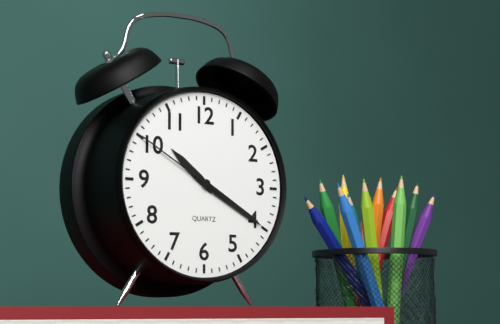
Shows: 10h20m50s
